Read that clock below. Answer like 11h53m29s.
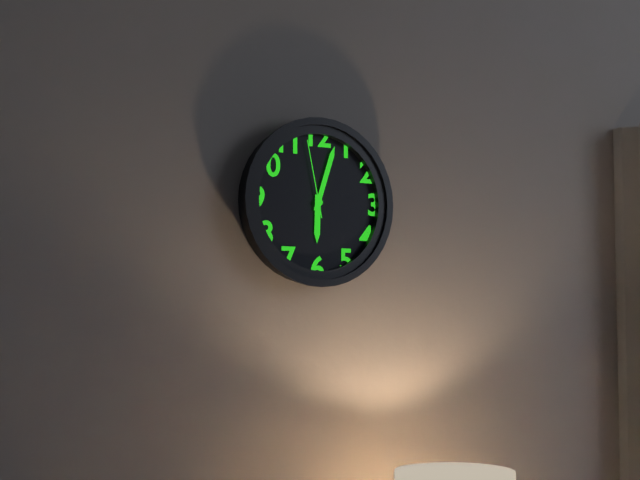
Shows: 6h03m58s
